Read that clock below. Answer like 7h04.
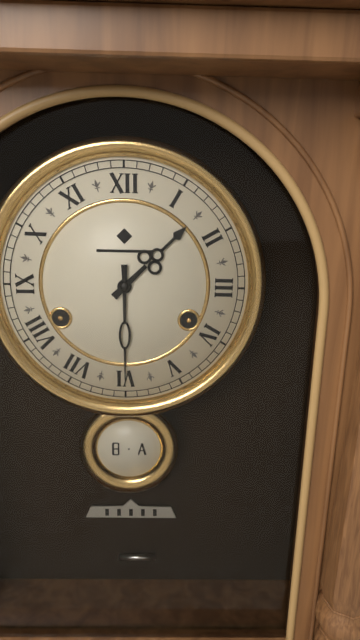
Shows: 1h30
